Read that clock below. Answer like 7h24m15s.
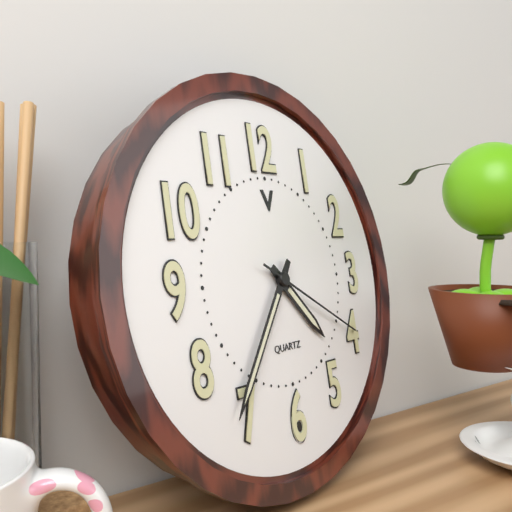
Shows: 4h36m20s
